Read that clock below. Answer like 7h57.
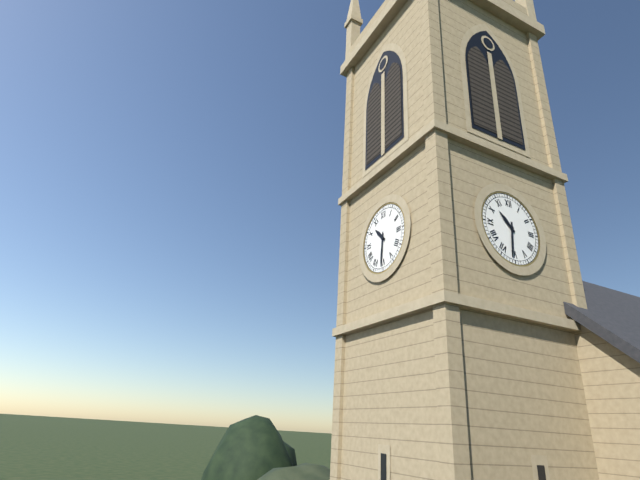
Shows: 10h31
